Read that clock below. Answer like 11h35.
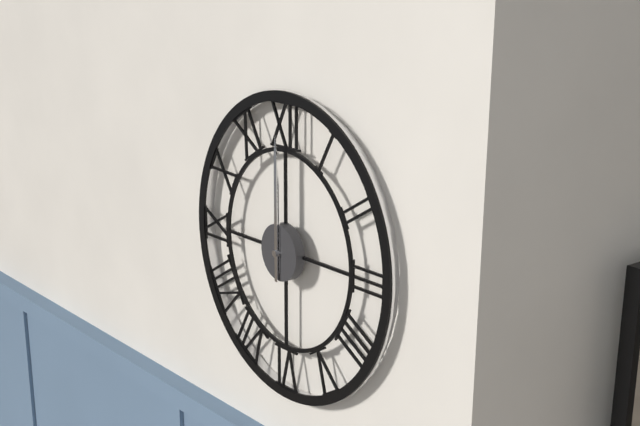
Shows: 12h00
